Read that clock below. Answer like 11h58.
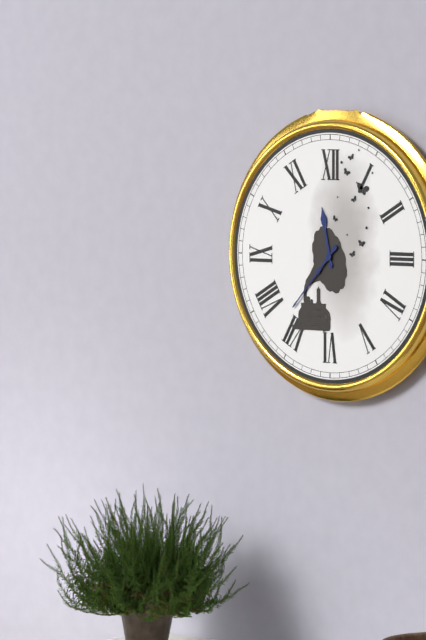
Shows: 11h37
